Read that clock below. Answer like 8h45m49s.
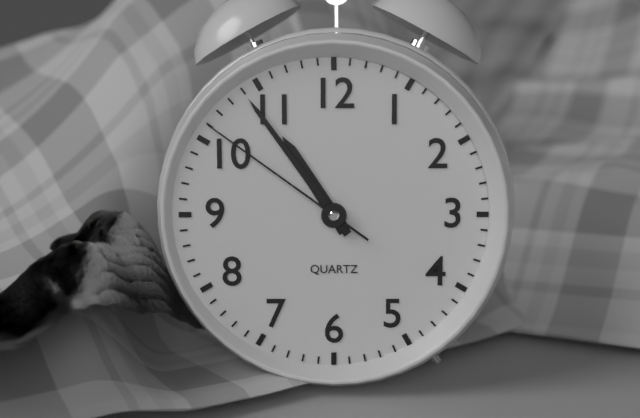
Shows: 10h54m51s
